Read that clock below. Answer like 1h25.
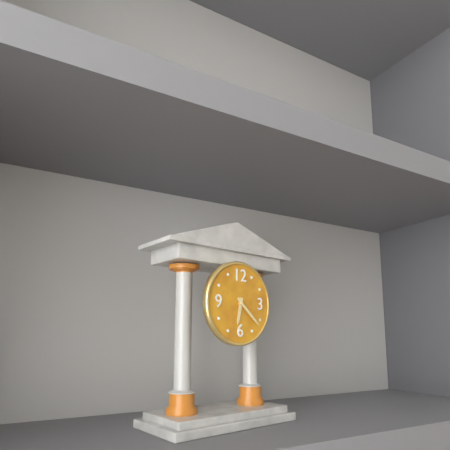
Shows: 6h22
